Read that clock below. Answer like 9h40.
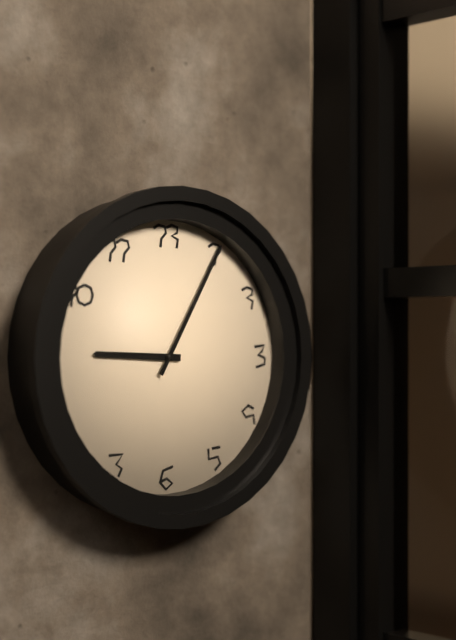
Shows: 9h05
